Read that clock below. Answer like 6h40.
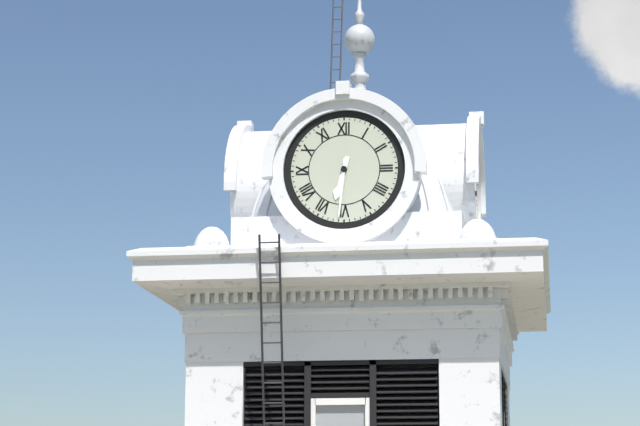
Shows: 6h31
